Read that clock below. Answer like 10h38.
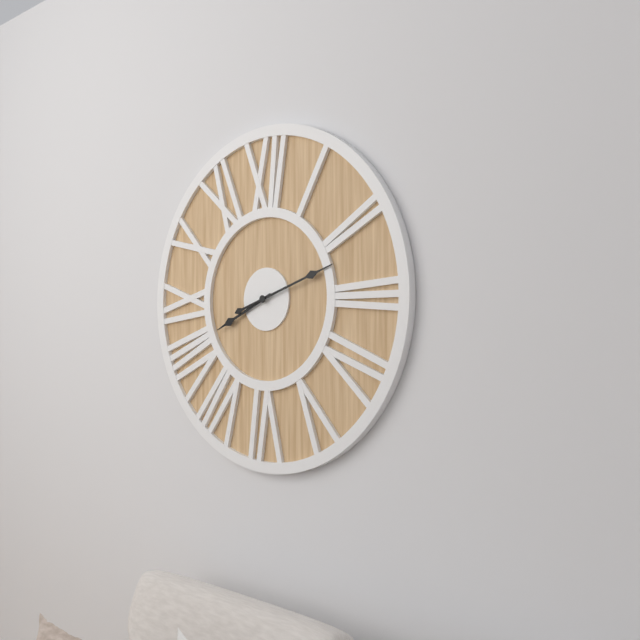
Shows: 8h12
